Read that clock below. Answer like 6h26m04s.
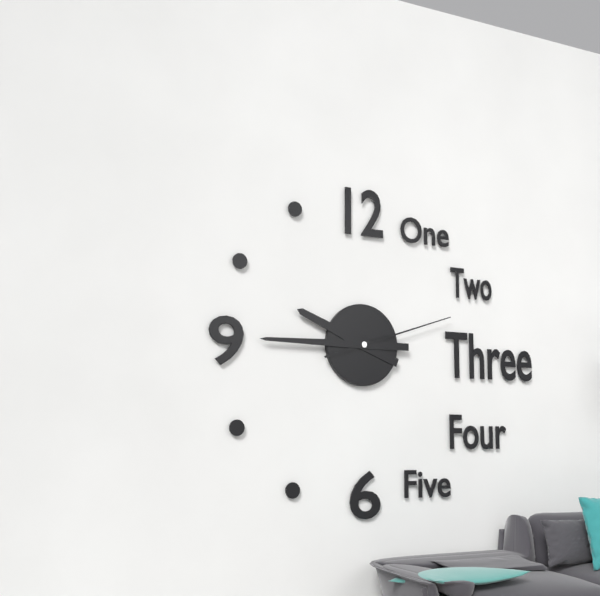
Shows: 9h45m12s
